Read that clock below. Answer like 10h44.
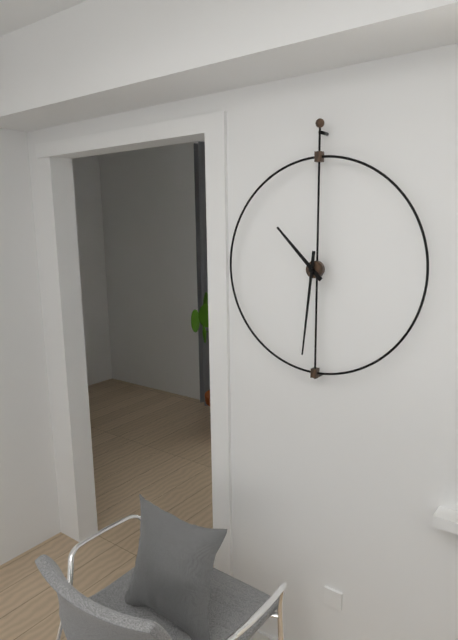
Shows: 10h31
